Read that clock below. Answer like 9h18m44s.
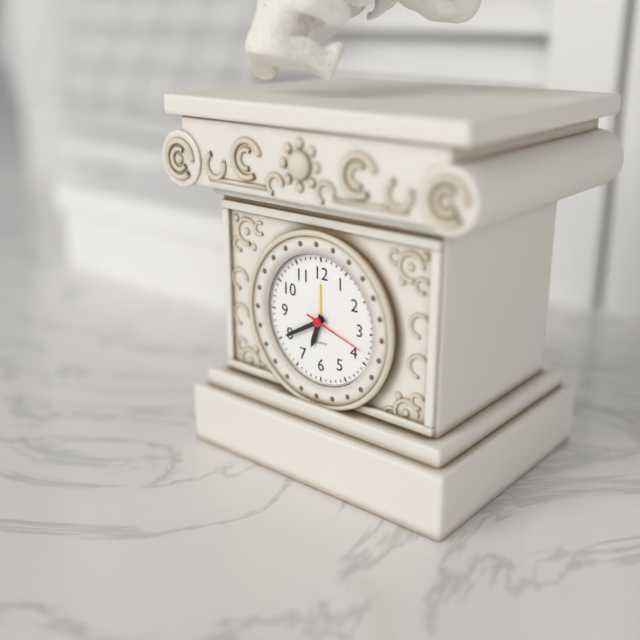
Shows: 6h40m18s
